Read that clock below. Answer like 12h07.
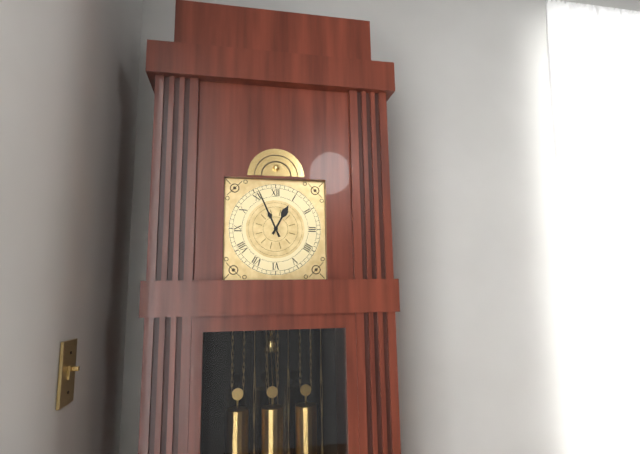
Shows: 12h56
